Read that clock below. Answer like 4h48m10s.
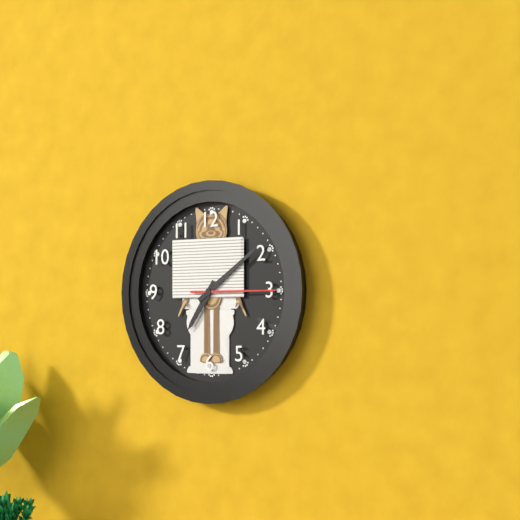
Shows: 7h09m15s
